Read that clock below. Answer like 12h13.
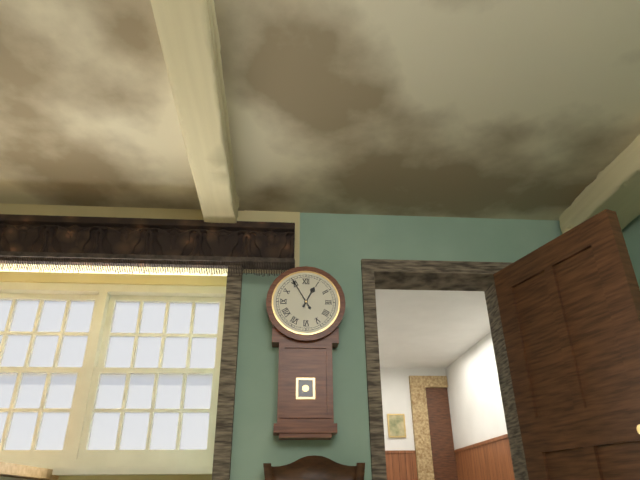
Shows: 12h55
